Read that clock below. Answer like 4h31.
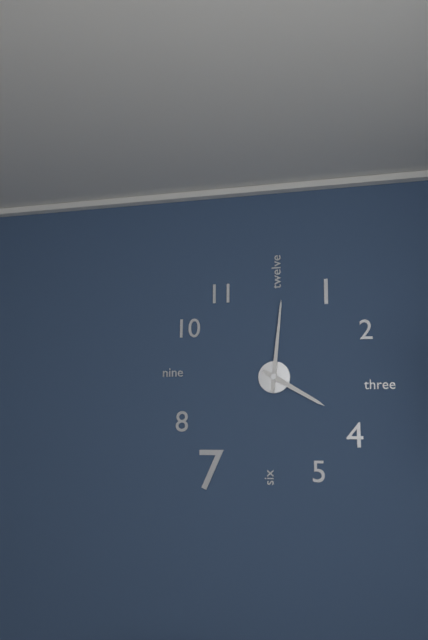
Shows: 4h01
